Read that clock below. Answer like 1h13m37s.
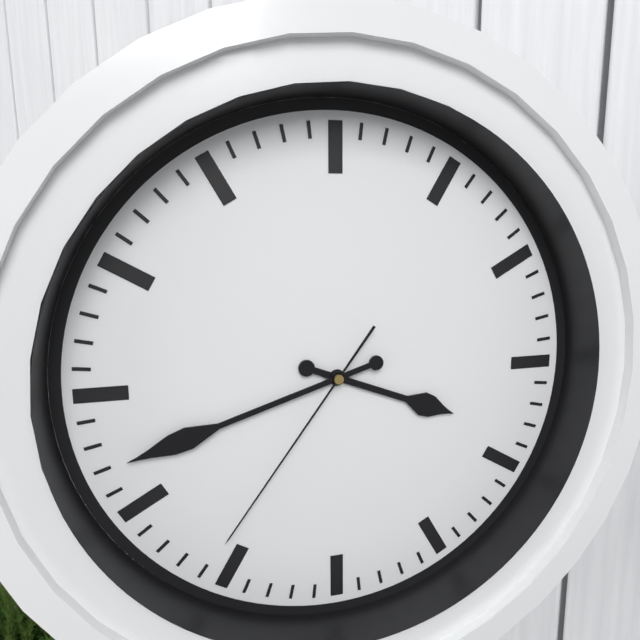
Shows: 3h42m36s
